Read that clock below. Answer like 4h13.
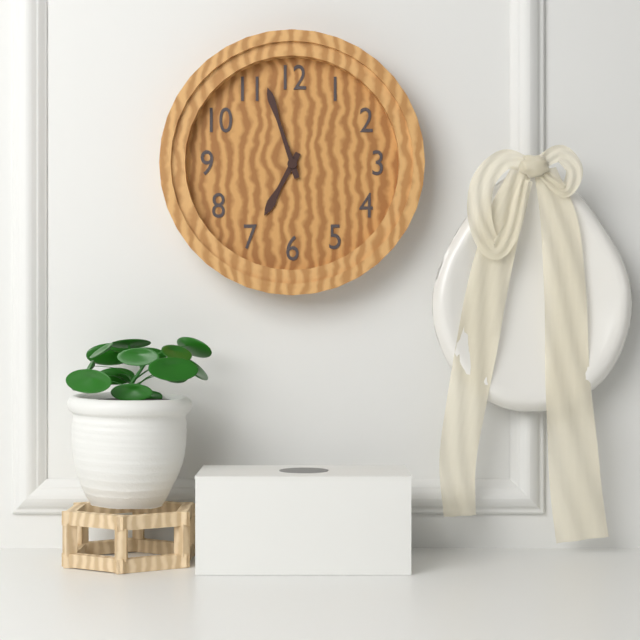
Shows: 6h57
